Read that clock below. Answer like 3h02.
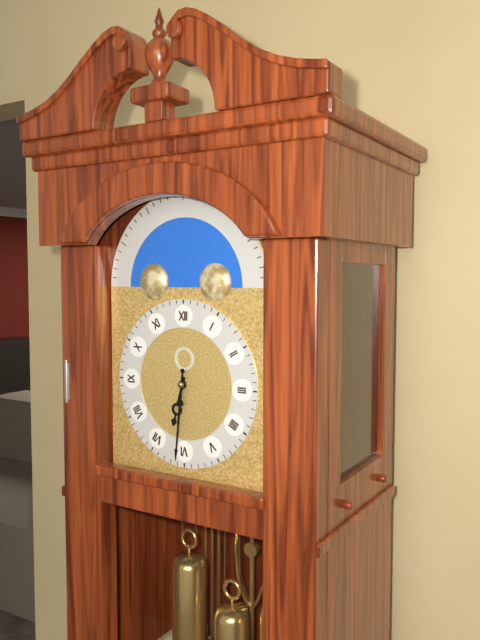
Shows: 6h31
